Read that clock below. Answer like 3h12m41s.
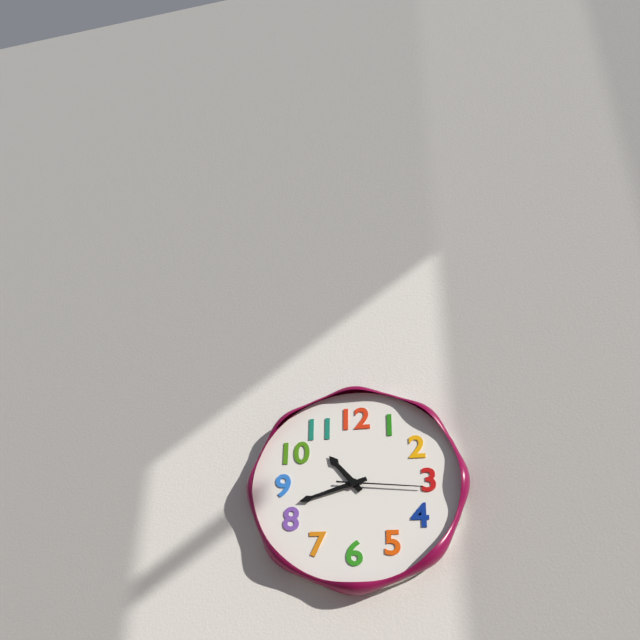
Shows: 10h42m16s
